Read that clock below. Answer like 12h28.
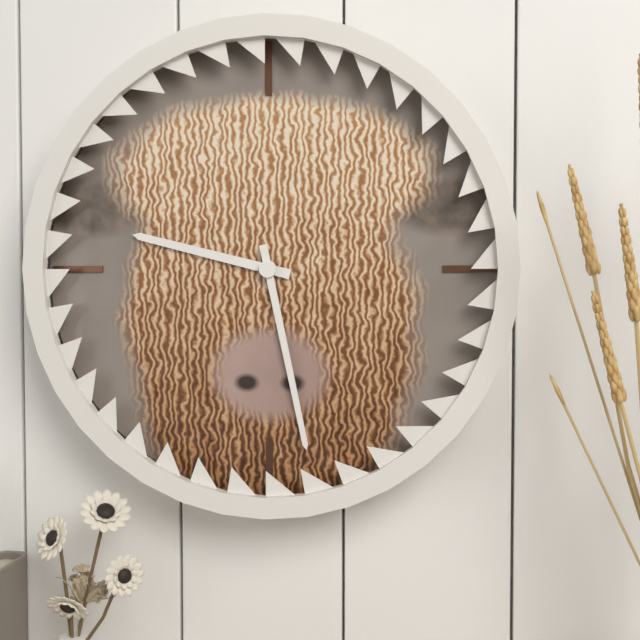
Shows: 9h28
